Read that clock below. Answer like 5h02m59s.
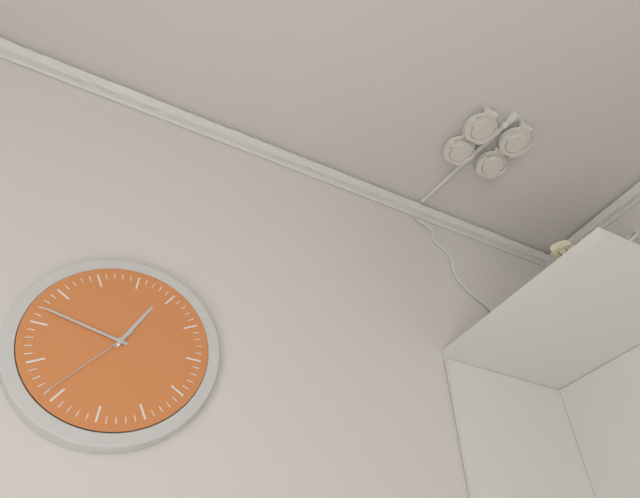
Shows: 12h47m36s
